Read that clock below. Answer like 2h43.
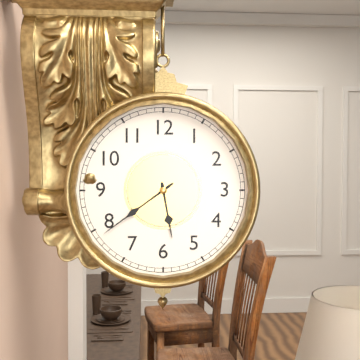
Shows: 5h39
